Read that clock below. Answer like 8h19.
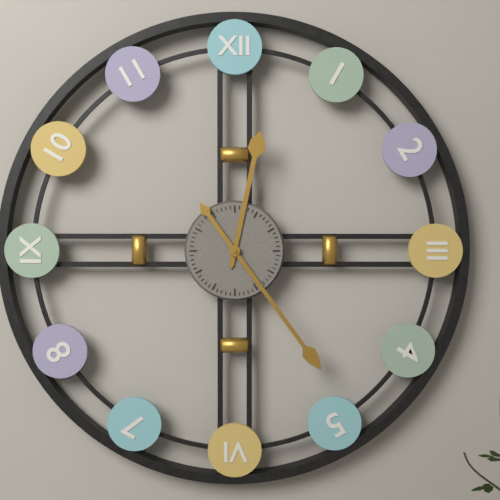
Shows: 12h24
